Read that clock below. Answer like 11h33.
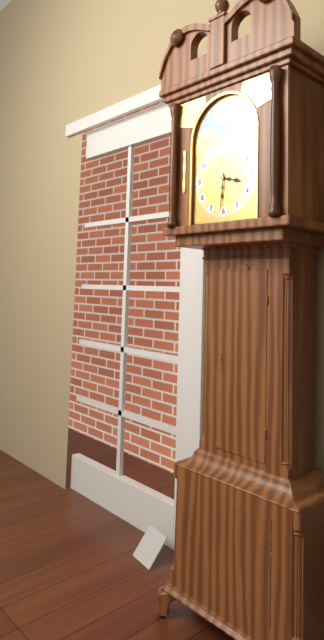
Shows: 3h31
